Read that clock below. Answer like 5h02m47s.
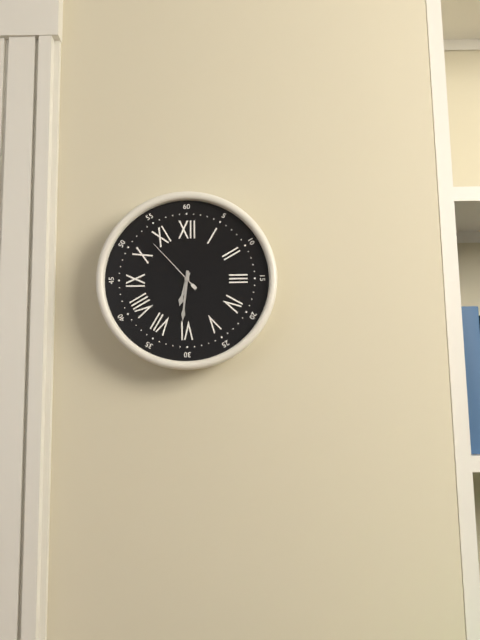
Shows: 6h31m53s
